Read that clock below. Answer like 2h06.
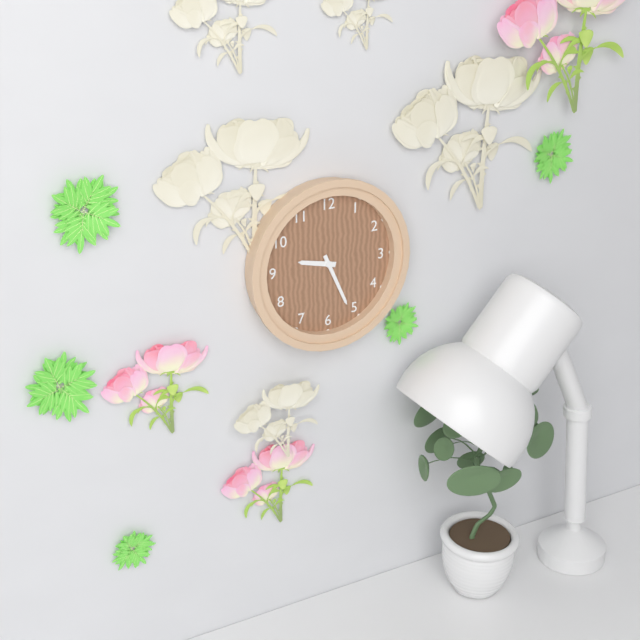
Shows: 9h26
